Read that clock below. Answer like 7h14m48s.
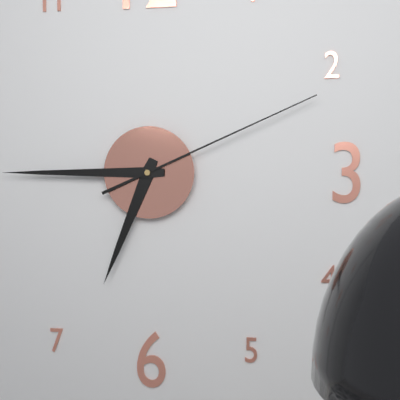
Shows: 6h45m11s
